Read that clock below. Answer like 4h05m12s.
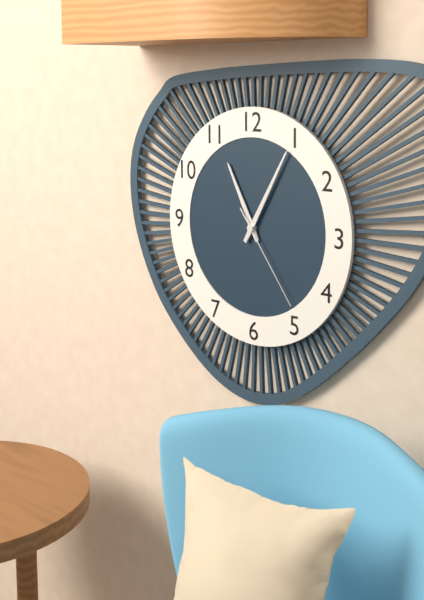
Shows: 11h05m24s
